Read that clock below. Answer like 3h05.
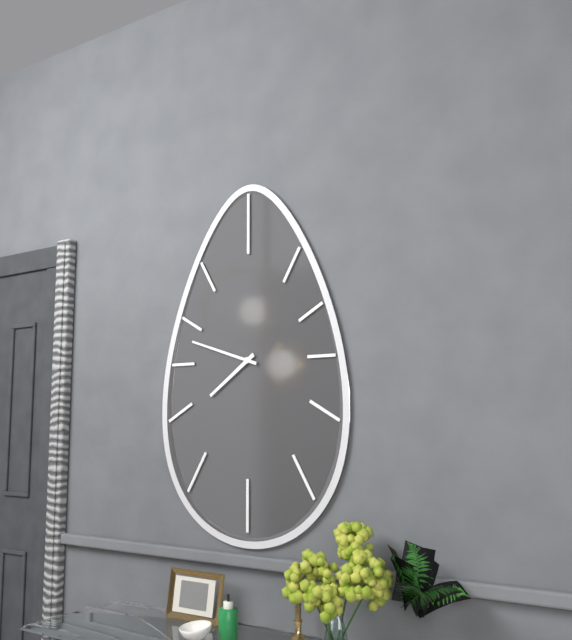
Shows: 7h48
